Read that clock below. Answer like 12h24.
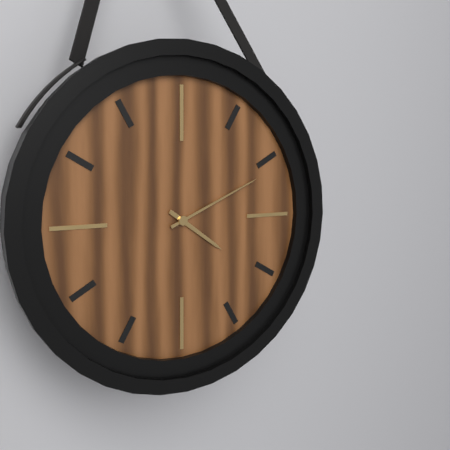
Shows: 4h11
